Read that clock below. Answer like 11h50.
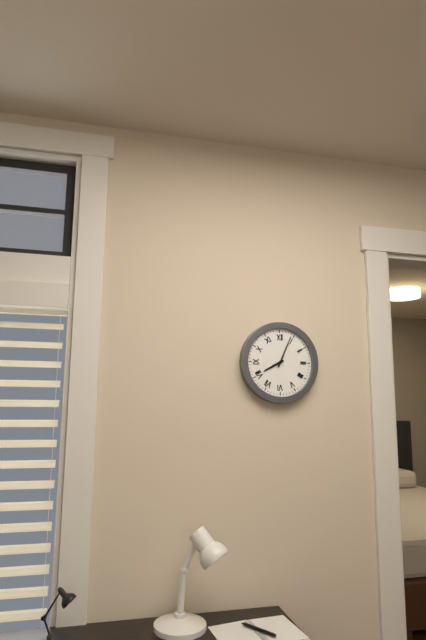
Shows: 8h04
